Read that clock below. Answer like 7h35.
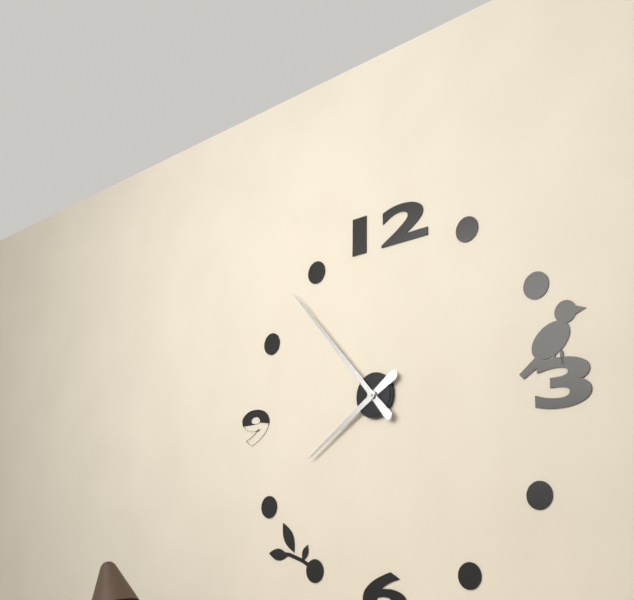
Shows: 7h53
